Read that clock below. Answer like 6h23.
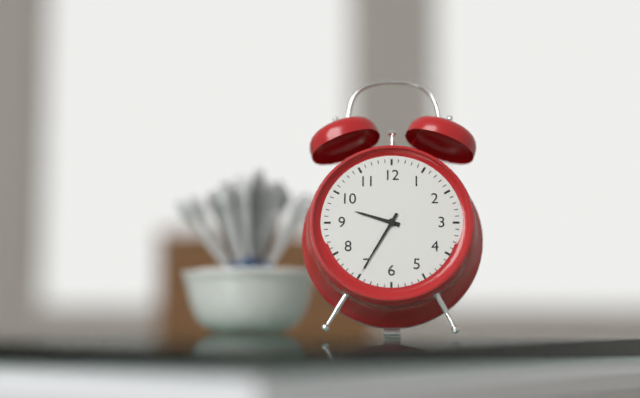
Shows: 9h35
